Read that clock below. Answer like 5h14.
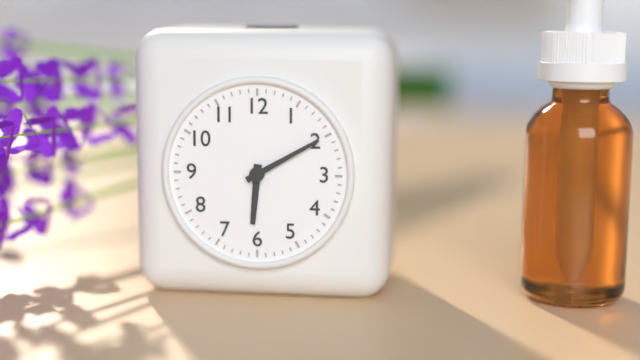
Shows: 6h10
